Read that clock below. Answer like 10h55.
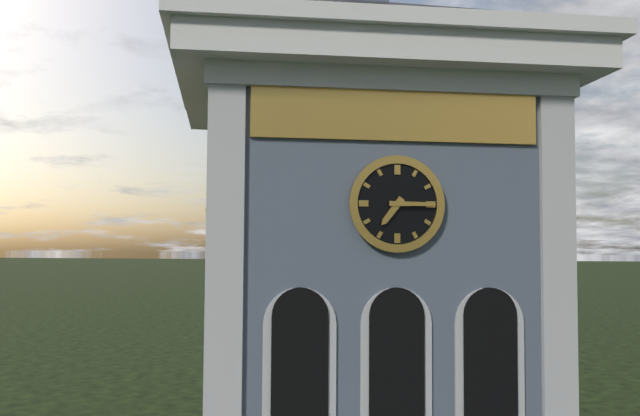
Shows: 7h15
